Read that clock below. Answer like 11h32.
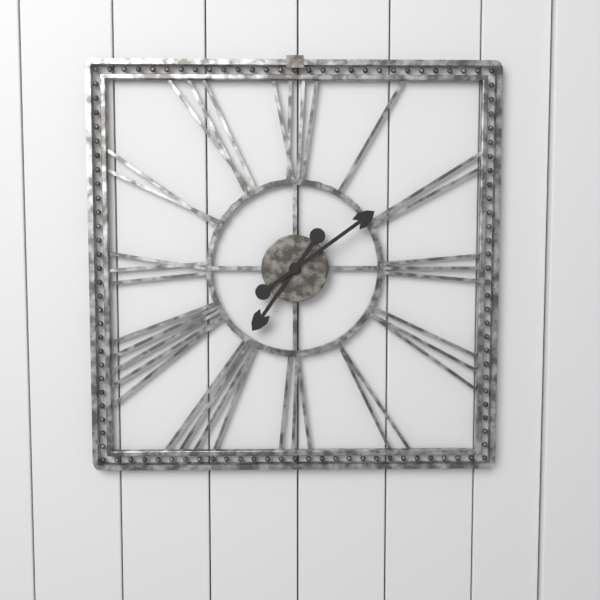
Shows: 7h09
